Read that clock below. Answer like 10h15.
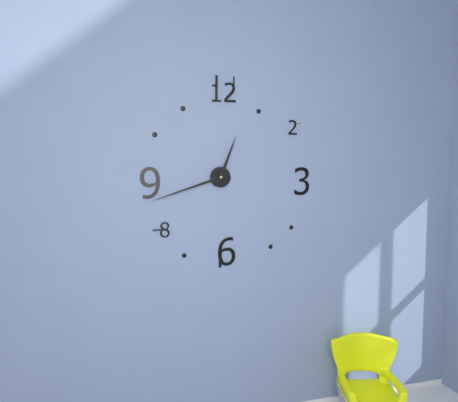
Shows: 12h42
